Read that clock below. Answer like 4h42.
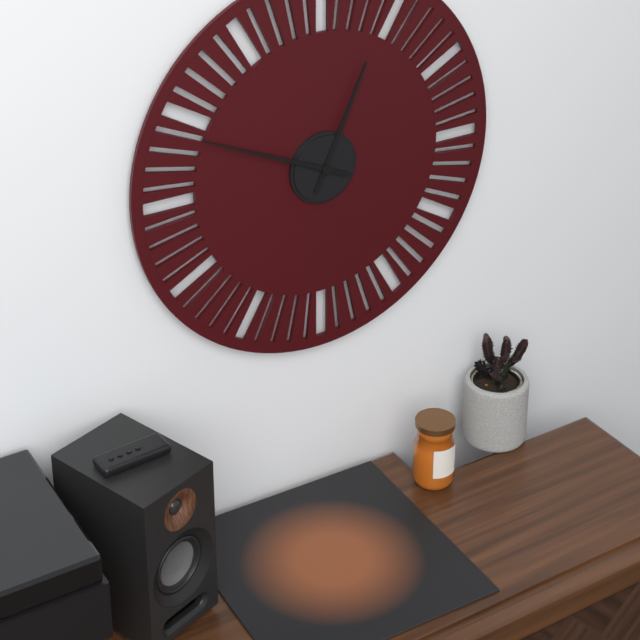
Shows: 12h49
